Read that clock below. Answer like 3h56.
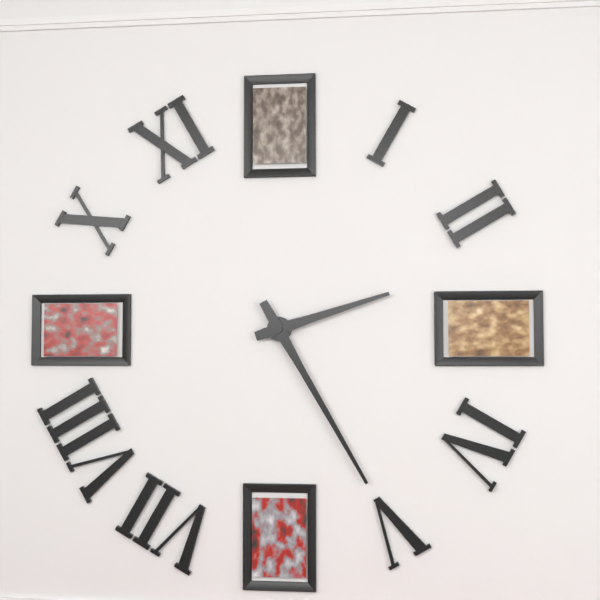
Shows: 2h25
